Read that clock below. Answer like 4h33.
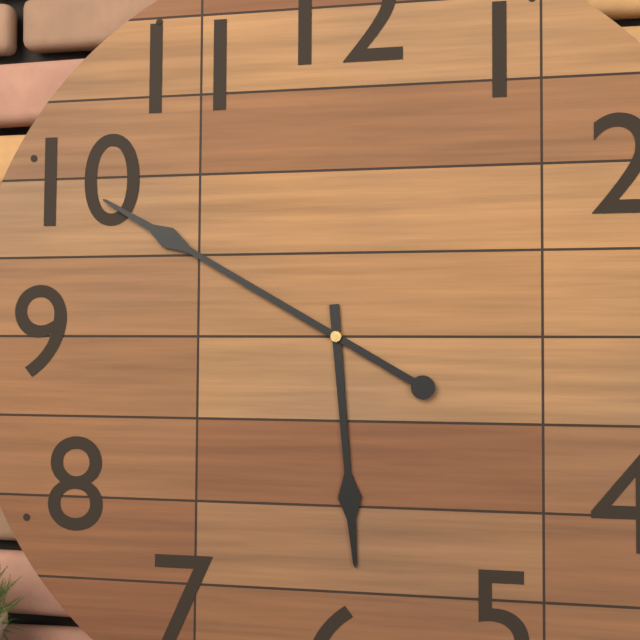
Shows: 5h50
